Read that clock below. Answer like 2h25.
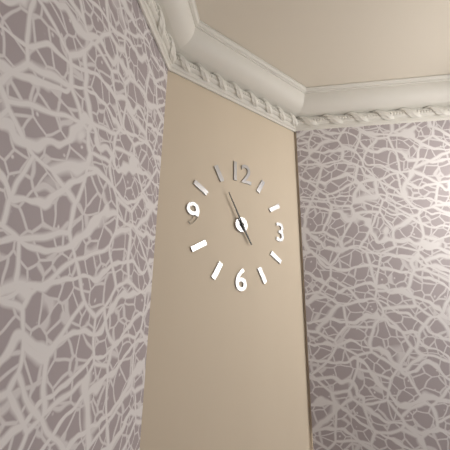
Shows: 4h55
